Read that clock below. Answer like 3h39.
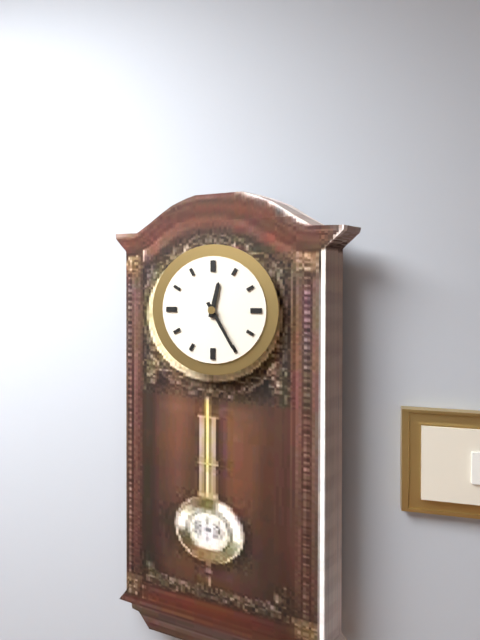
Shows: 12h25
